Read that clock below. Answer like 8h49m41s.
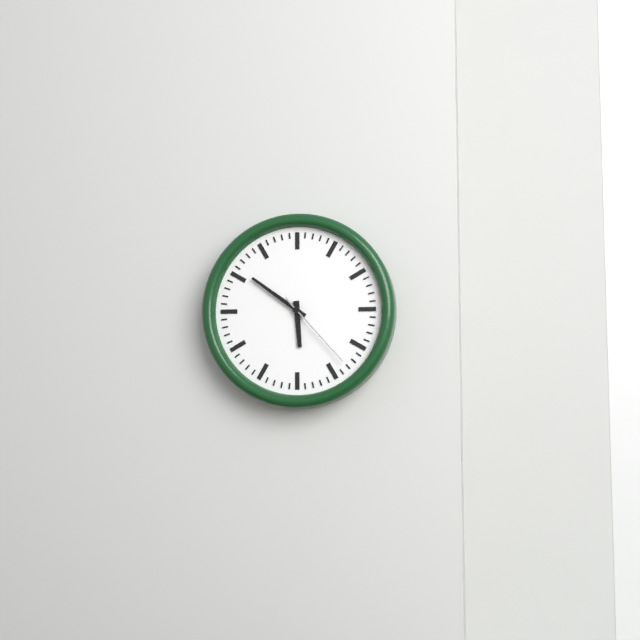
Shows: 5h51m23s
